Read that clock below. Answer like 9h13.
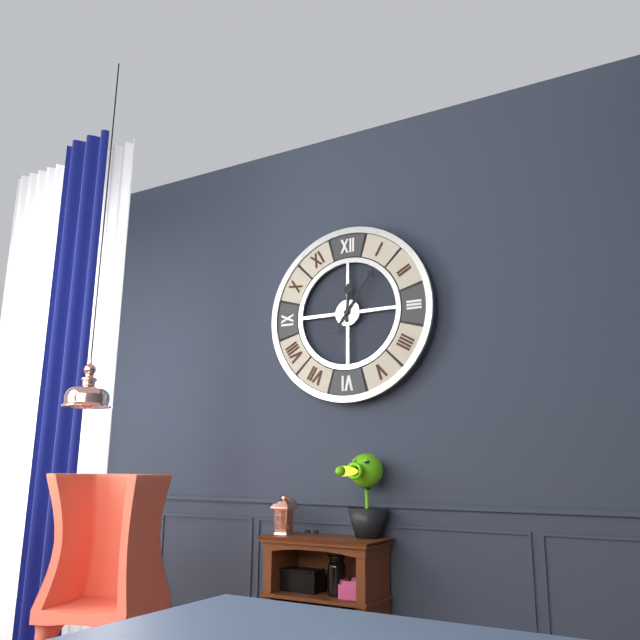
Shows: 12h06
